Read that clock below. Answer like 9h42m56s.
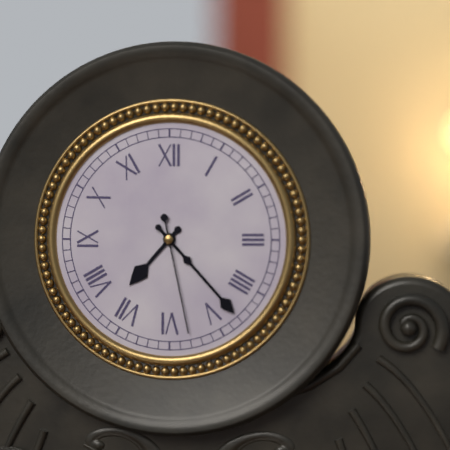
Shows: 7h23m28s
